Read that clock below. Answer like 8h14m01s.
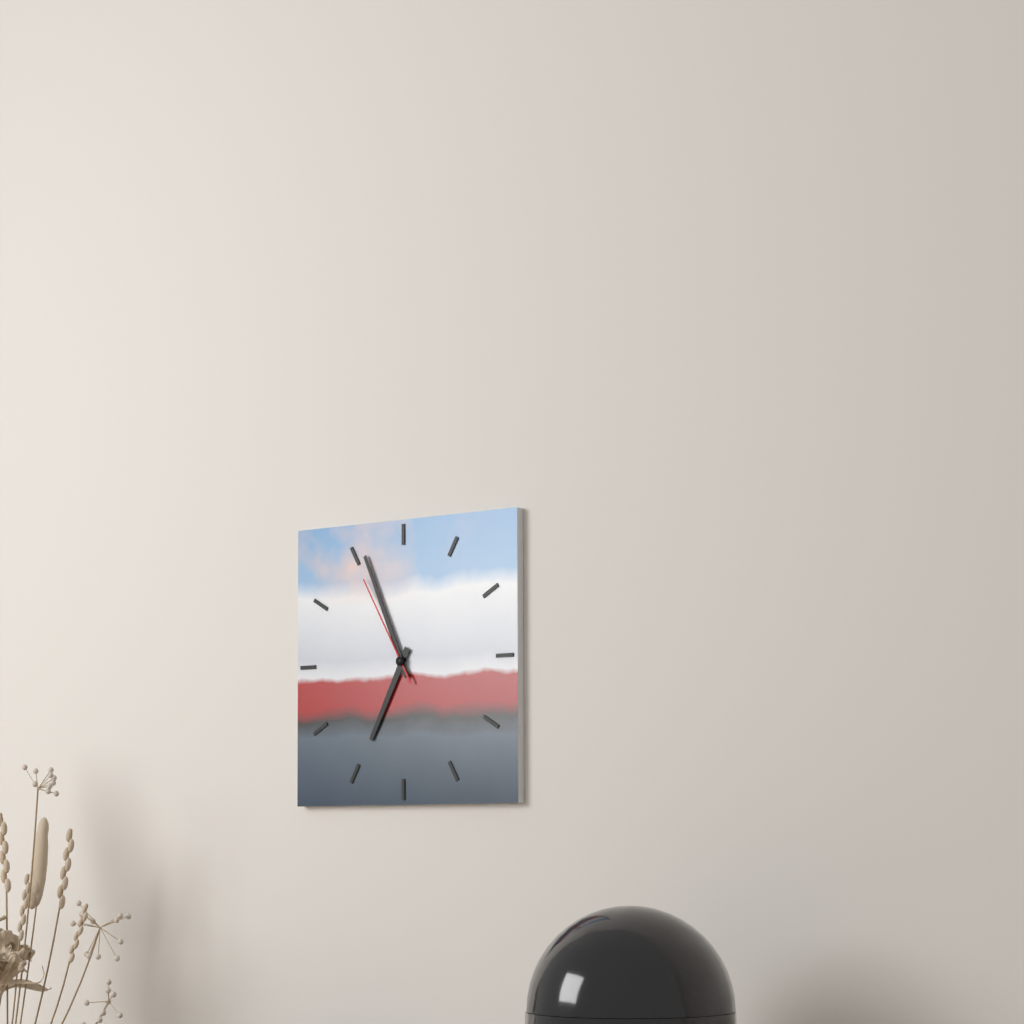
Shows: 6h56m55s
